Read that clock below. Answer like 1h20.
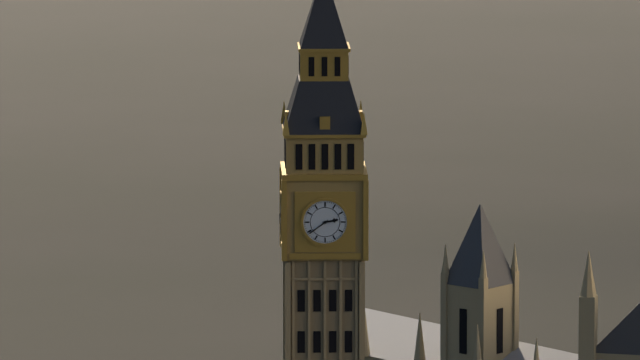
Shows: 2h39
